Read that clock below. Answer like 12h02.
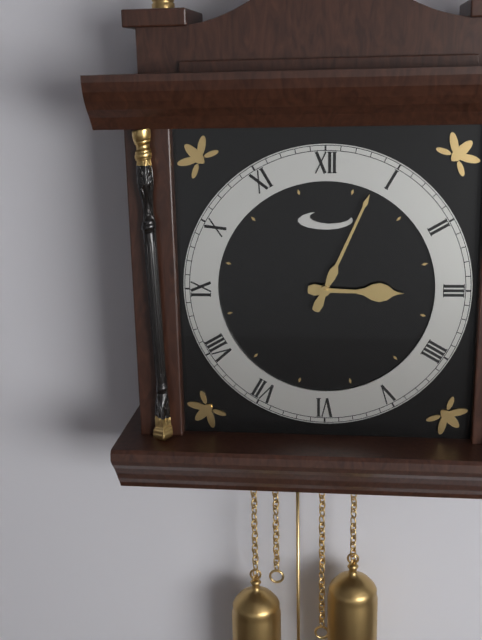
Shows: 3h04
